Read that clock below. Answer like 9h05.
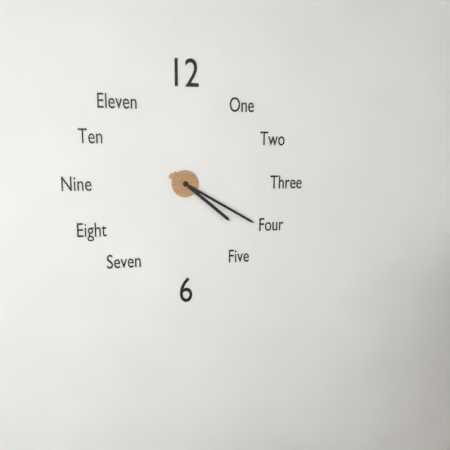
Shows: 4h20
